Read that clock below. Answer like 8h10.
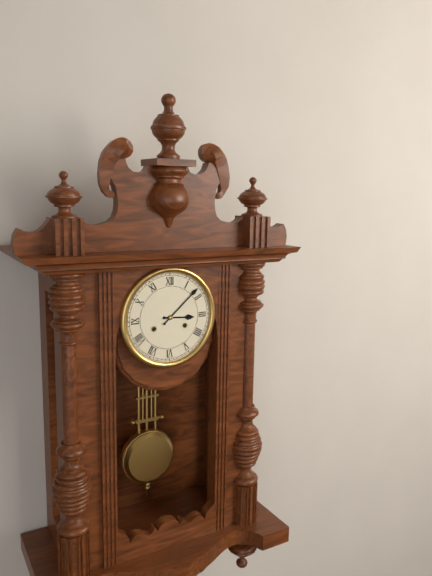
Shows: 3h08
